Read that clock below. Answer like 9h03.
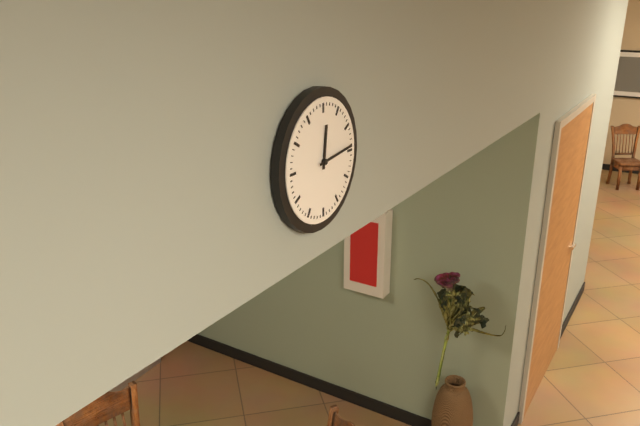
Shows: 12h14
